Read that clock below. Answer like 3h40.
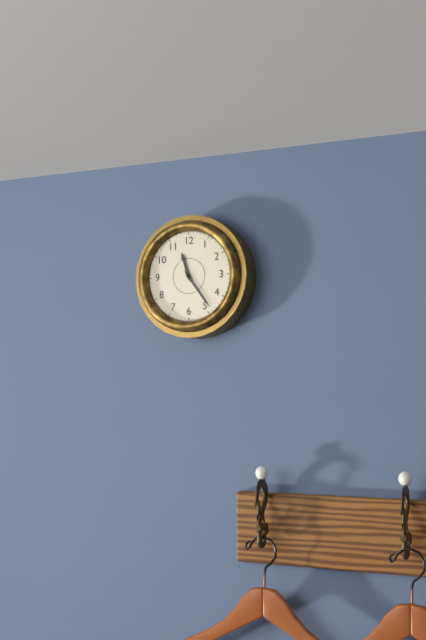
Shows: 11h24
